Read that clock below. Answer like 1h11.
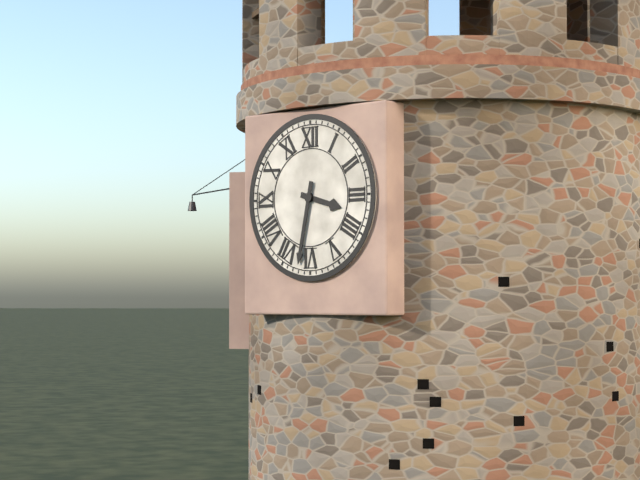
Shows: 3h32
